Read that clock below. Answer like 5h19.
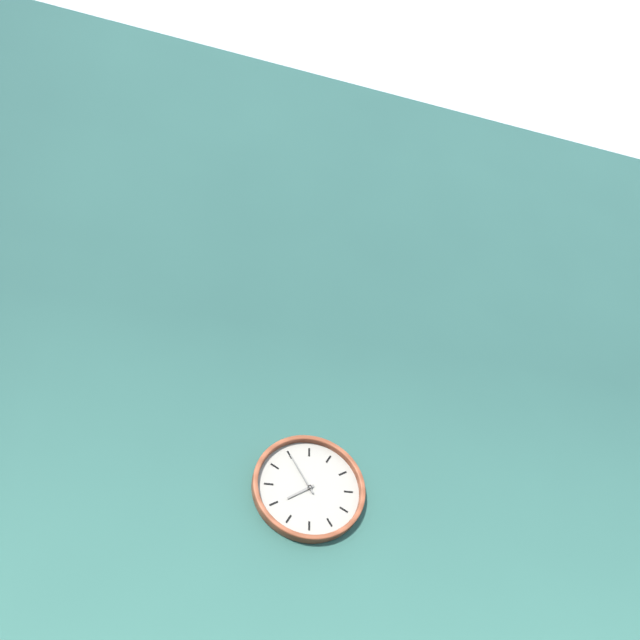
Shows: 7h55
